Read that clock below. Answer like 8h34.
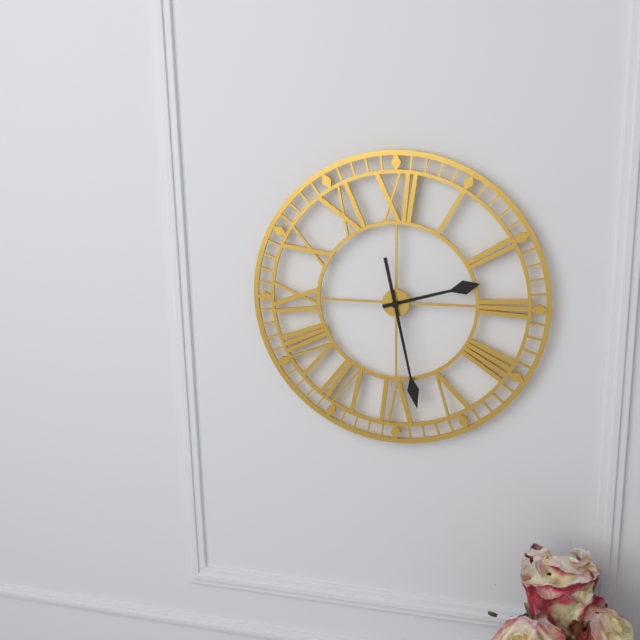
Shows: 2h28
